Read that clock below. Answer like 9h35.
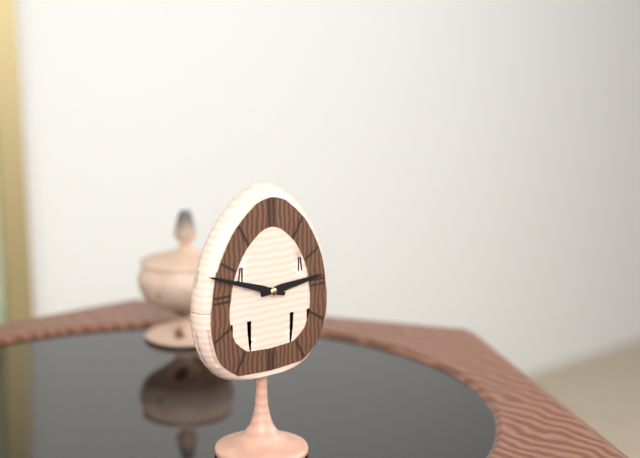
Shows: 2h48
